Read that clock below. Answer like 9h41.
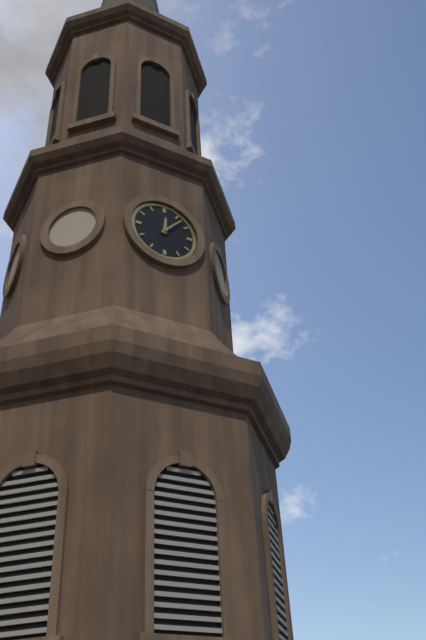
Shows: 12h07
